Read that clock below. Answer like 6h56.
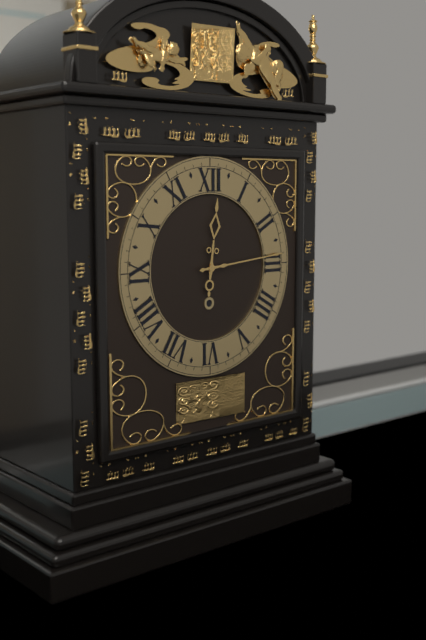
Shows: 12h14
